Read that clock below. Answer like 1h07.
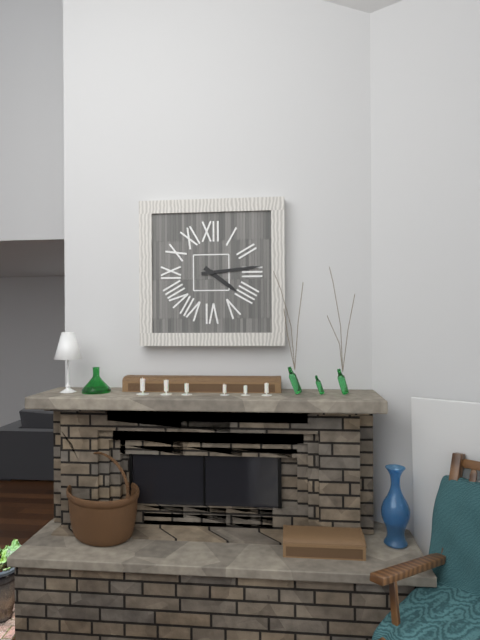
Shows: 4h14
